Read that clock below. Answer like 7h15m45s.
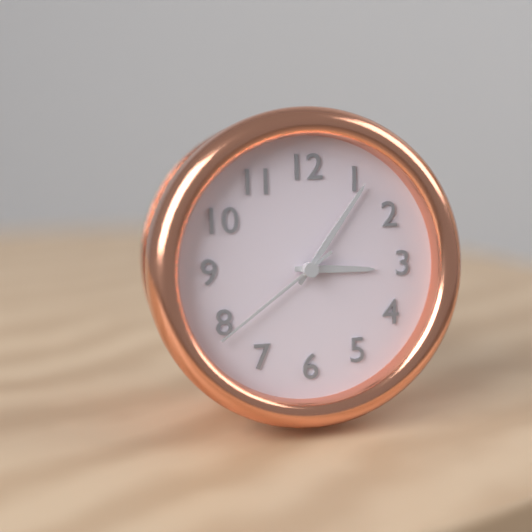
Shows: 3h06m39s
